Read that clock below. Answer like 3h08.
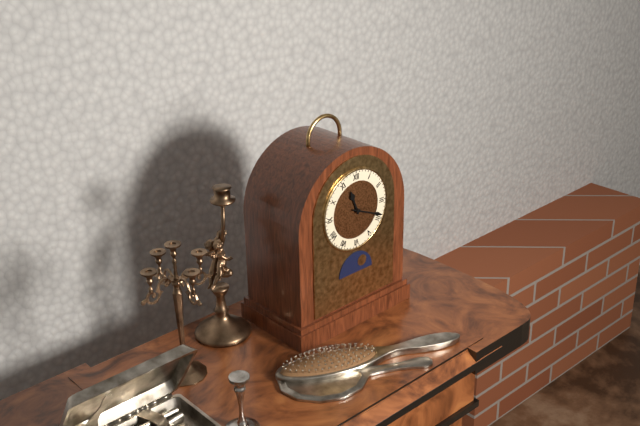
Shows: 11h19
